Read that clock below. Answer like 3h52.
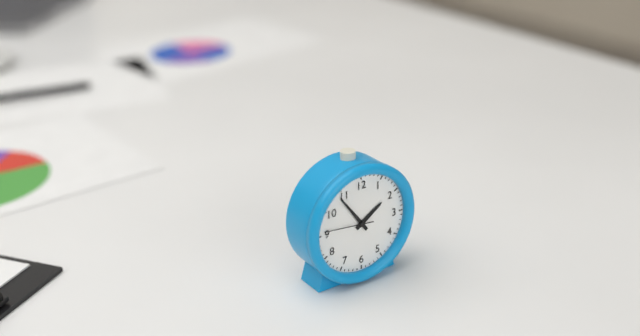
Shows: 1h54
